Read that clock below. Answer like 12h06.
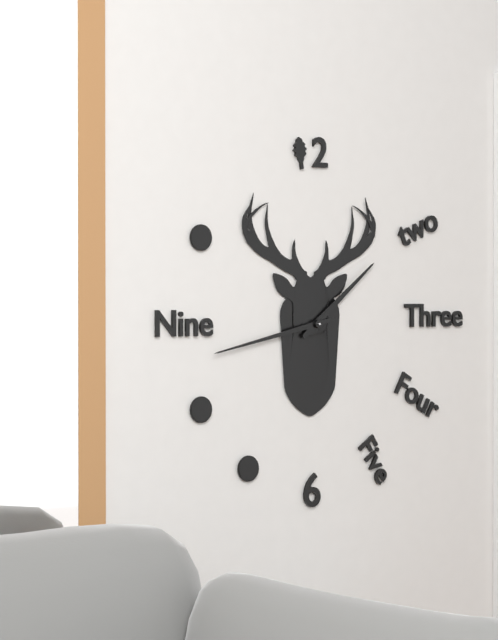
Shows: 1h43
